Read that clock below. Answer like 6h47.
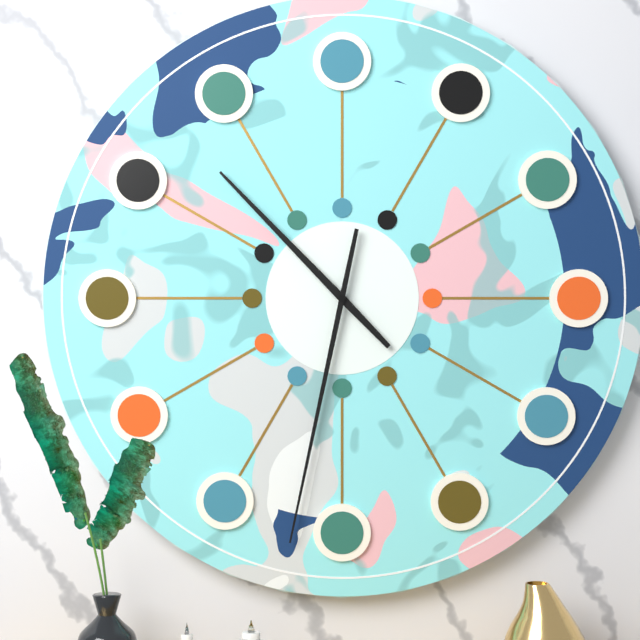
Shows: 10h32
